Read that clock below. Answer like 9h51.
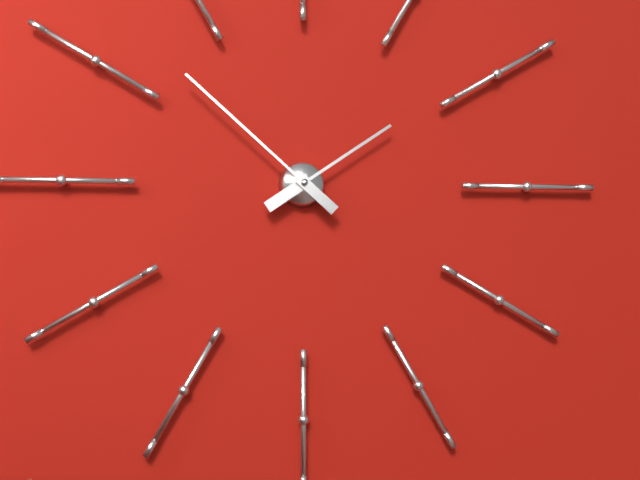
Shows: 1h52
